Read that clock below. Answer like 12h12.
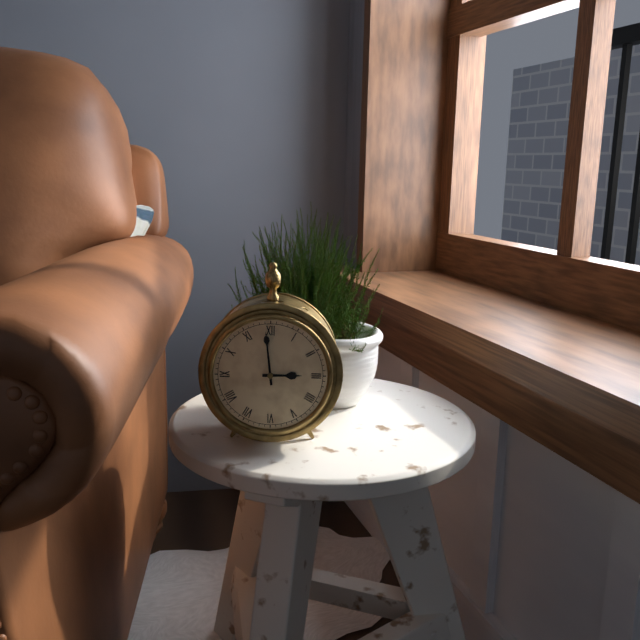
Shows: 2h59
